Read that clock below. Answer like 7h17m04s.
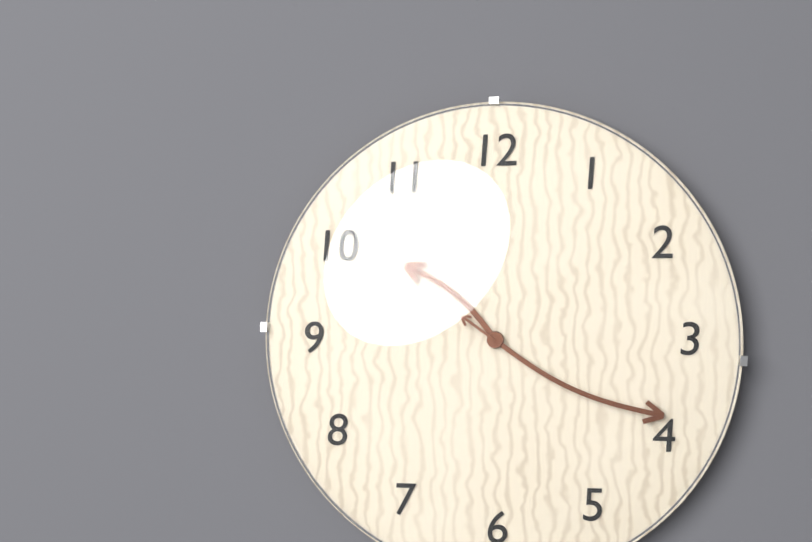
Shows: 10h19m51s
